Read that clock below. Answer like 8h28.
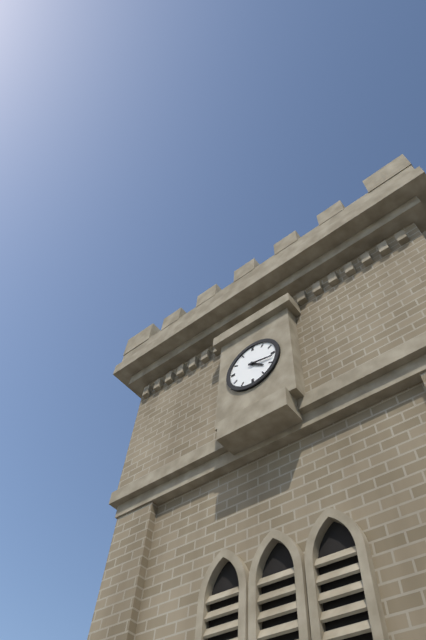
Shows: 4h17
